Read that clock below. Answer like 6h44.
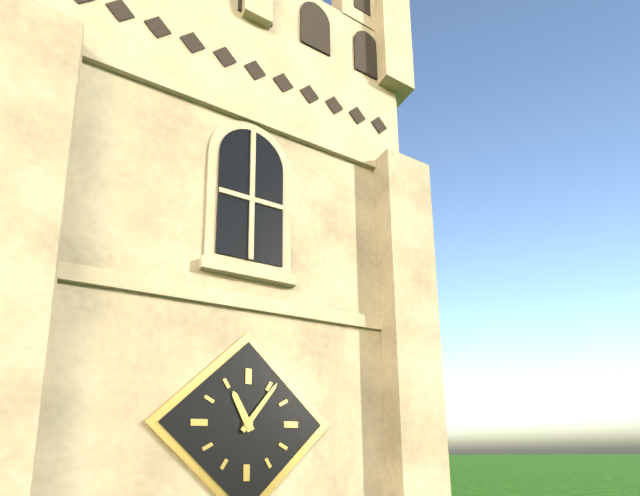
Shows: 11h06
